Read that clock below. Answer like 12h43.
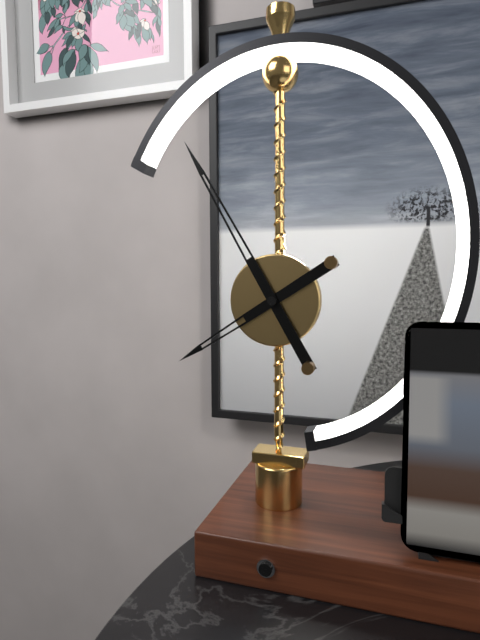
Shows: 7h55
